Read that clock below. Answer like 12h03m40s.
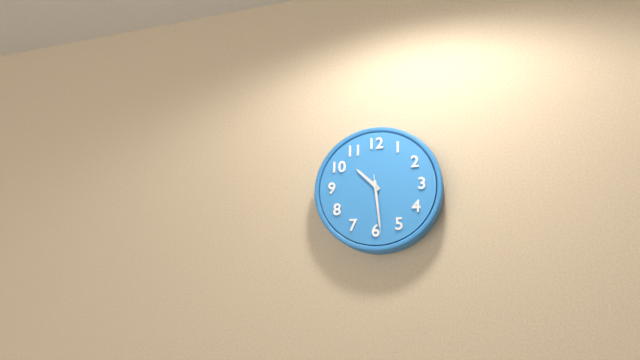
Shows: 10h29m29s
